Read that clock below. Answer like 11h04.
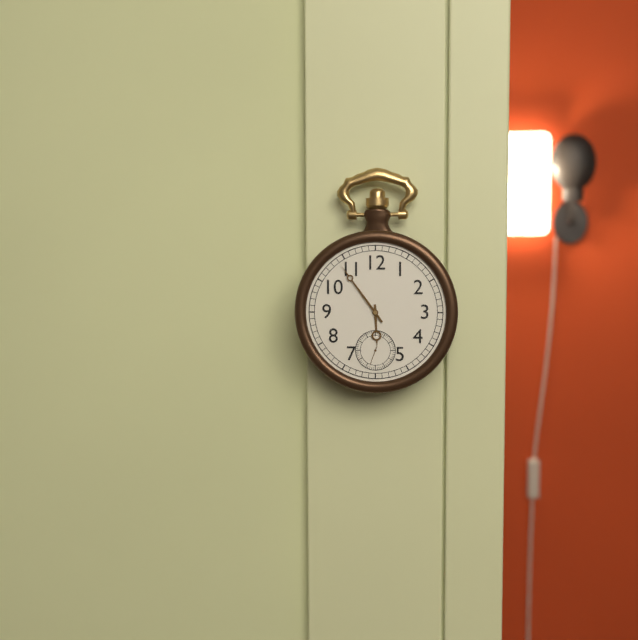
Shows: 5h54
